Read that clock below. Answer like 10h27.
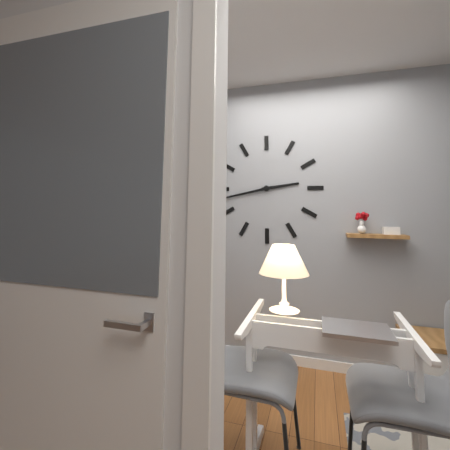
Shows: 2h43
